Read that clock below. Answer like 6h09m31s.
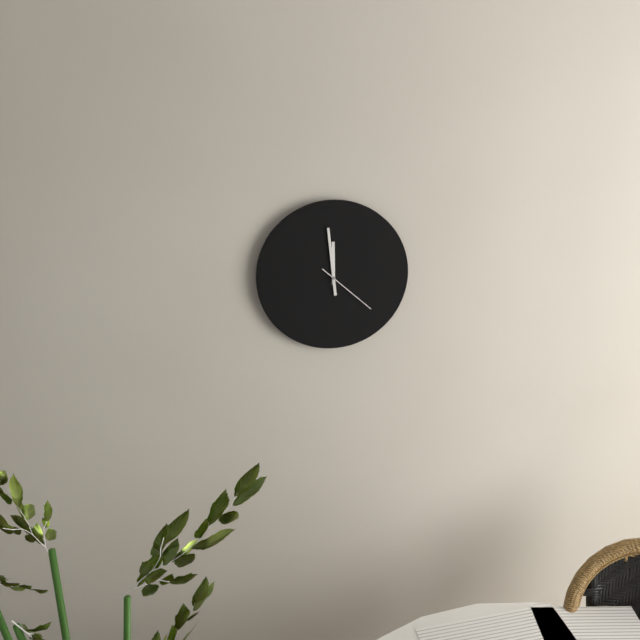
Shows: 11h59m22s
